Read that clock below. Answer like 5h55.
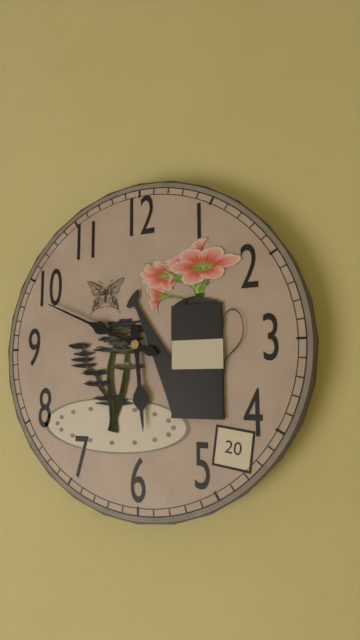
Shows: 5h49
